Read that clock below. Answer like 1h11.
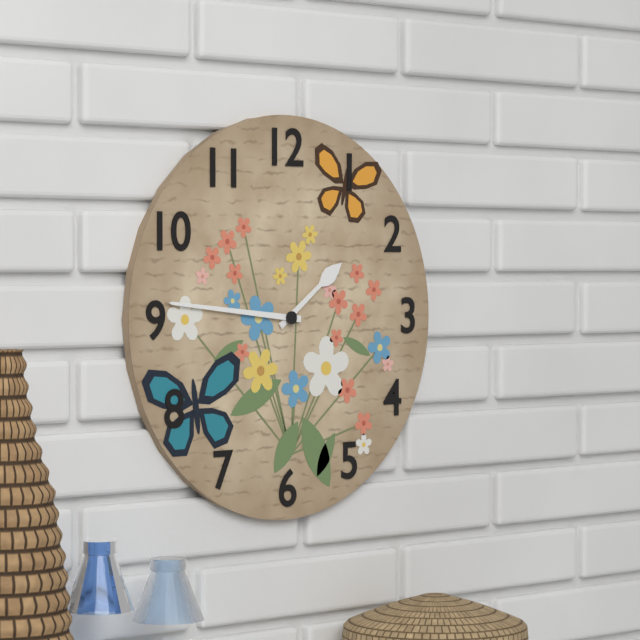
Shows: 1h46
